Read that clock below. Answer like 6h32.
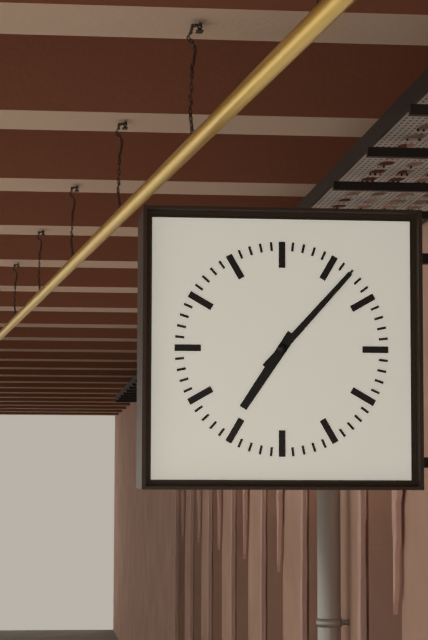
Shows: 7h07
